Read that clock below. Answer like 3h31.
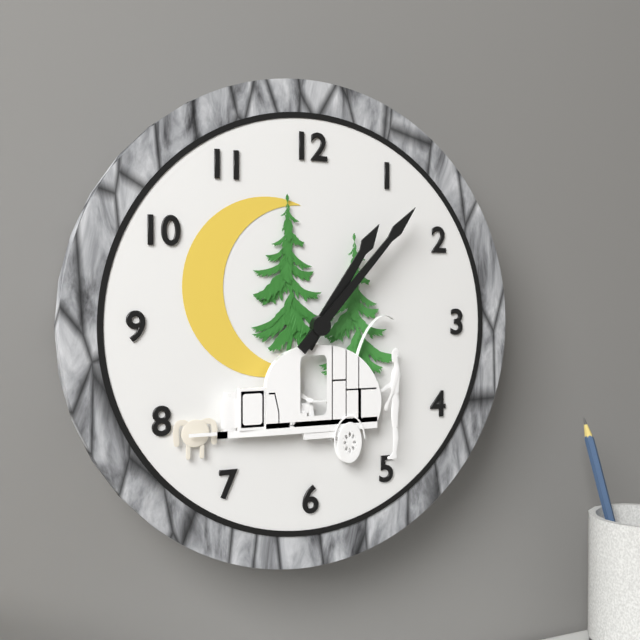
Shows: 1h07
